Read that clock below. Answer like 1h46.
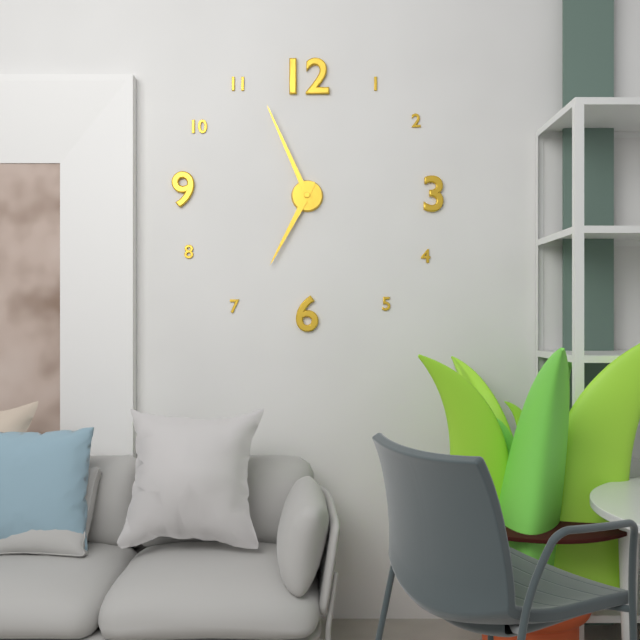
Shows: 6h56
